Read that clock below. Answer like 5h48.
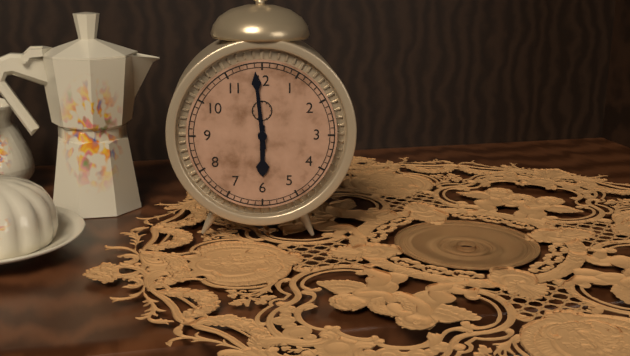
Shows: 5h59
